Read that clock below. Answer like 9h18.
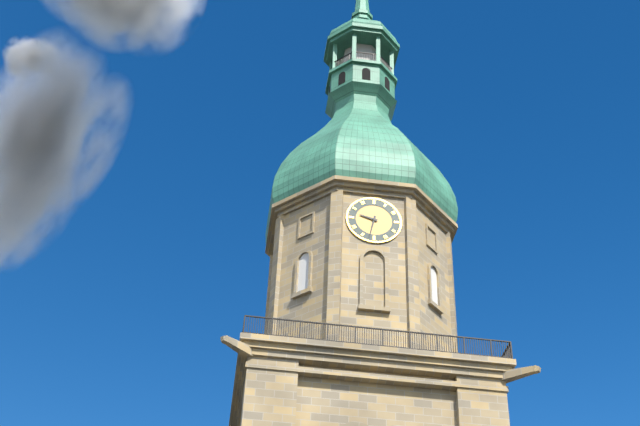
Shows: 9h32
